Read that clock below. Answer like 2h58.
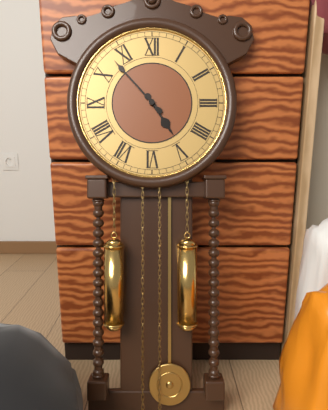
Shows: 4h53
